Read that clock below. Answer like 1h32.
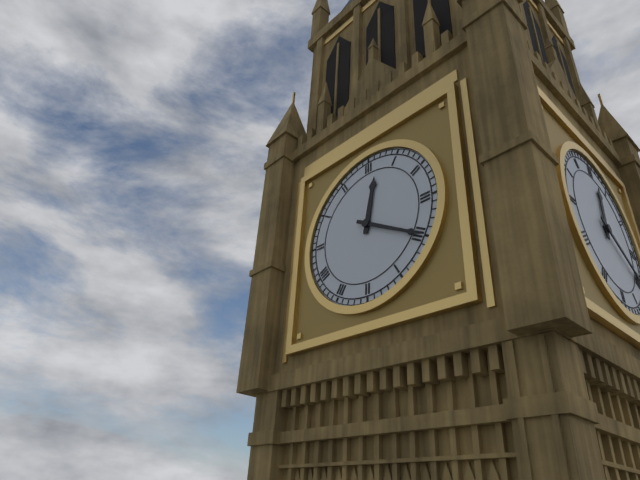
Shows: 12h20
